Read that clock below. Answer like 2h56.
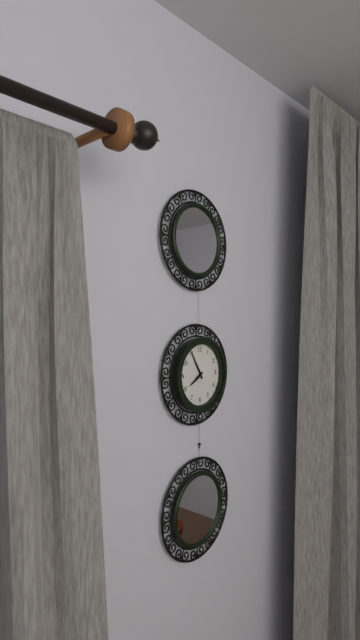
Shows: 7h55
